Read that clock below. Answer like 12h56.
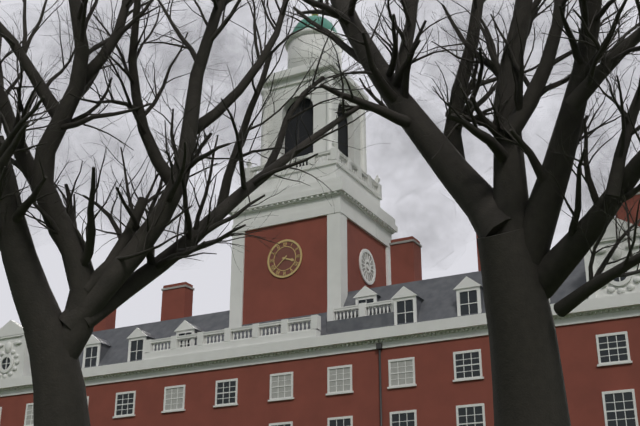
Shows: 3h38
